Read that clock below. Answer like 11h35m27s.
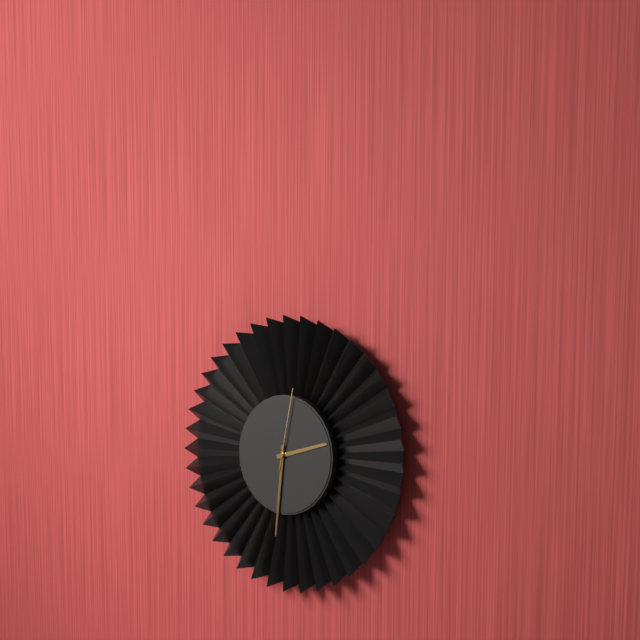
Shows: 2h31m02s
